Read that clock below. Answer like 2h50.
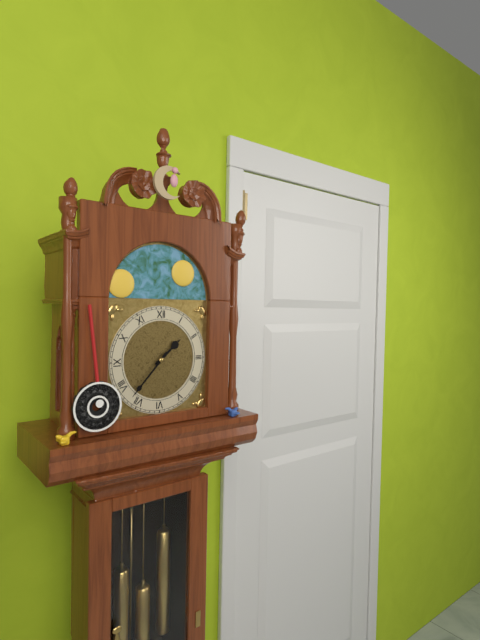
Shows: 1h37
